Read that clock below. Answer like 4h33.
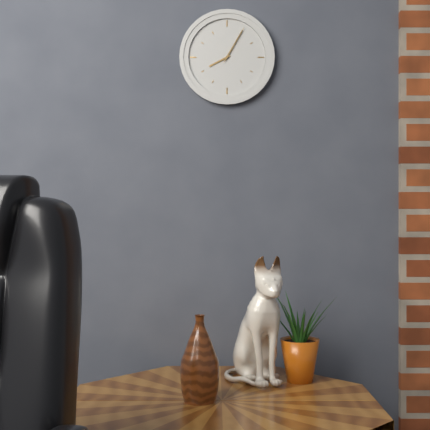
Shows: 8h05
